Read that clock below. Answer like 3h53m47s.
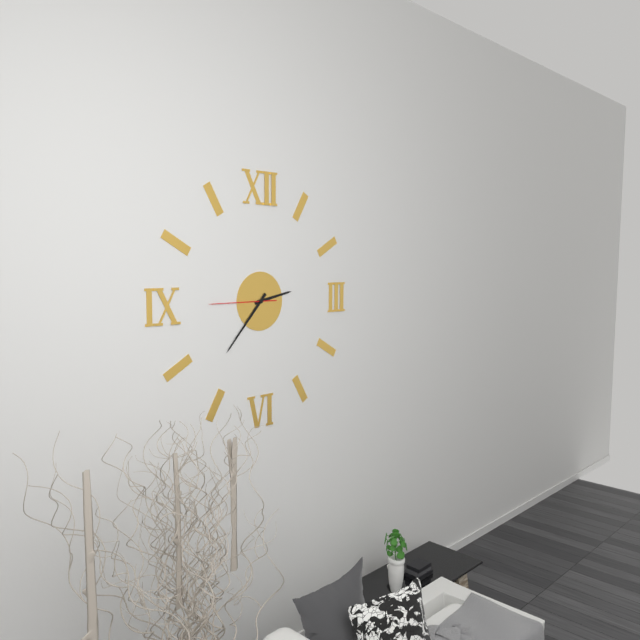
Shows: 2h37m45s
